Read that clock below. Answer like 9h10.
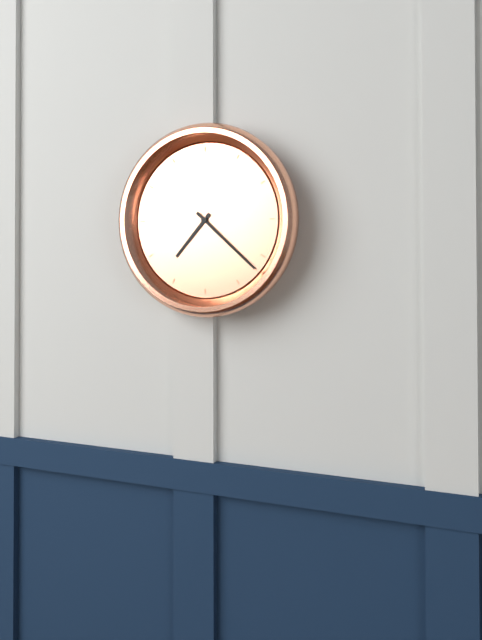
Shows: 7h22
